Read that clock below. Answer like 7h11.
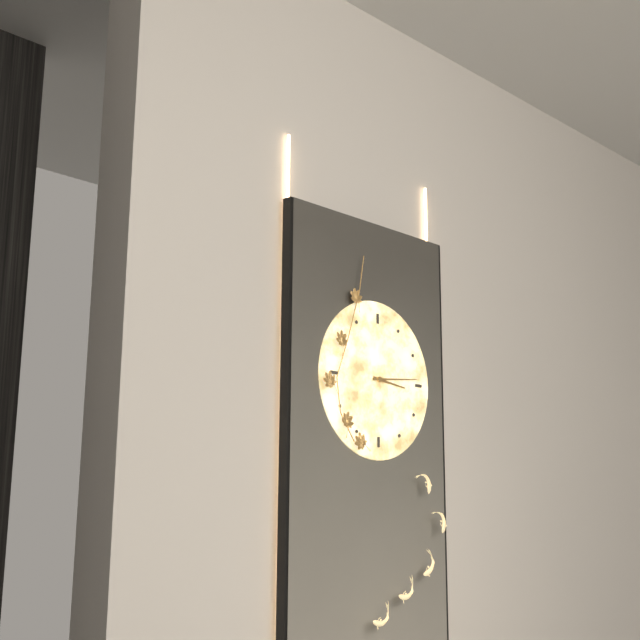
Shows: 3h14
